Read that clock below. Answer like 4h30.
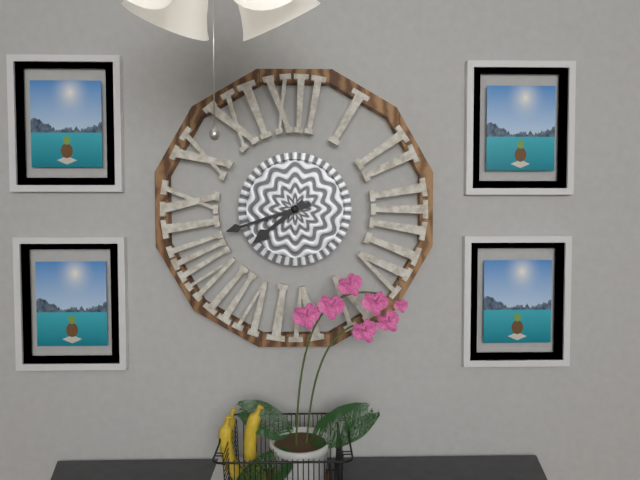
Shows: 7h42
